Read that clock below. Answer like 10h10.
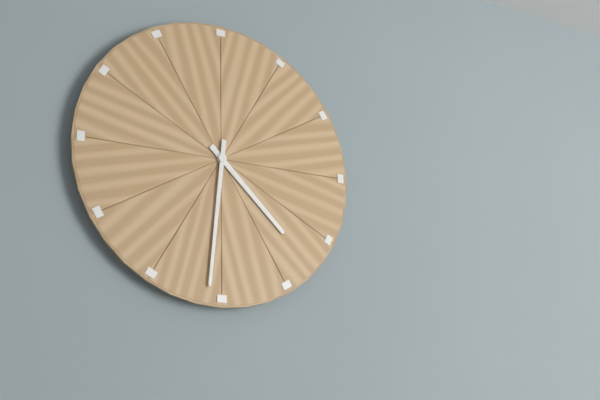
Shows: 4h31
